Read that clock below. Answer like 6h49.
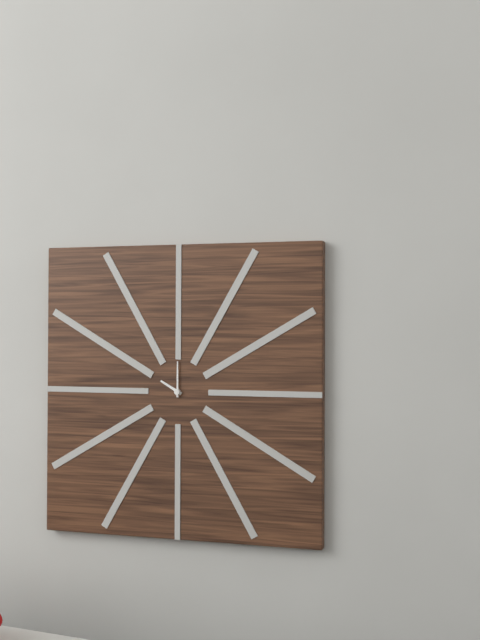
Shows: 10h00
